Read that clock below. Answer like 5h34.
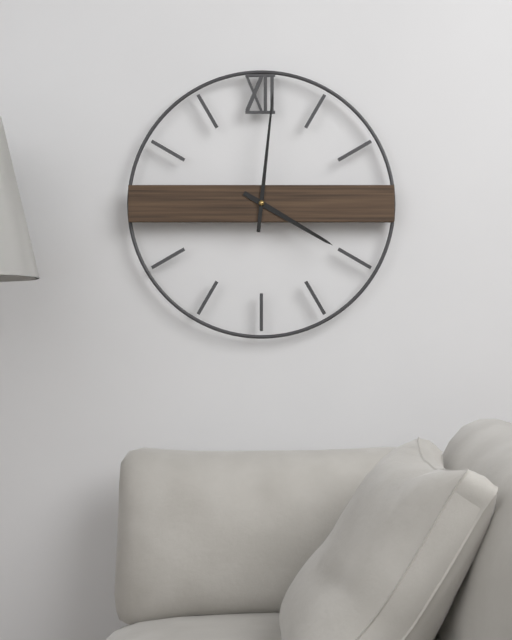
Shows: 4h01
